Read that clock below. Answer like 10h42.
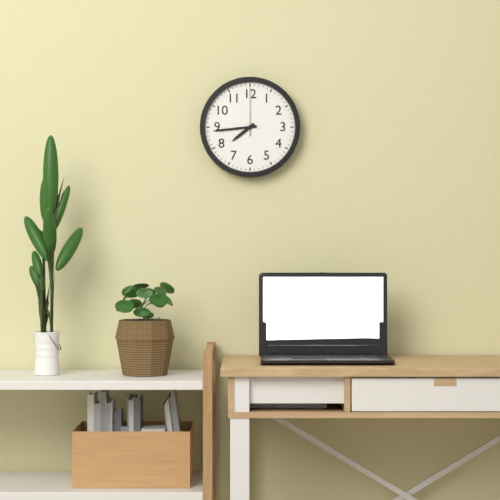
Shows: 7h44
